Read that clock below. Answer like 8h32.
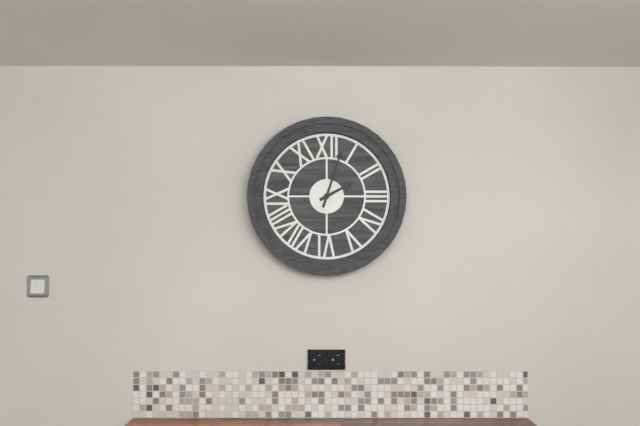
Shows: 2h03
